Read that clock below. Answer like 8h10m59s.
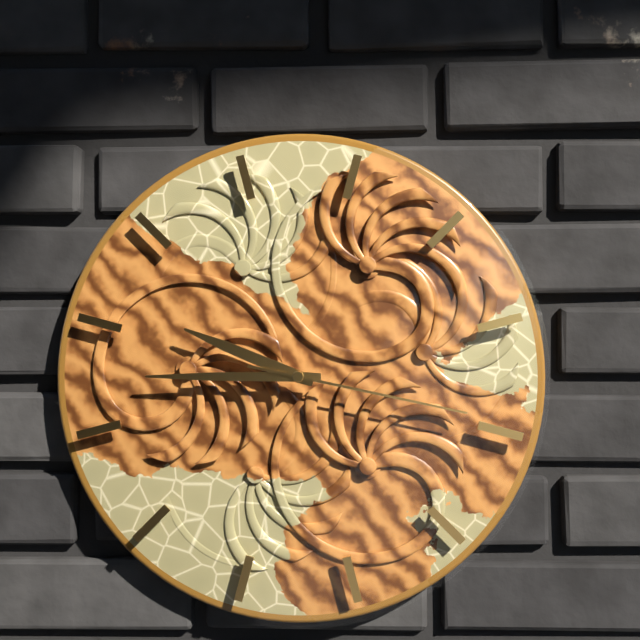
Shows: 9h45m17s
